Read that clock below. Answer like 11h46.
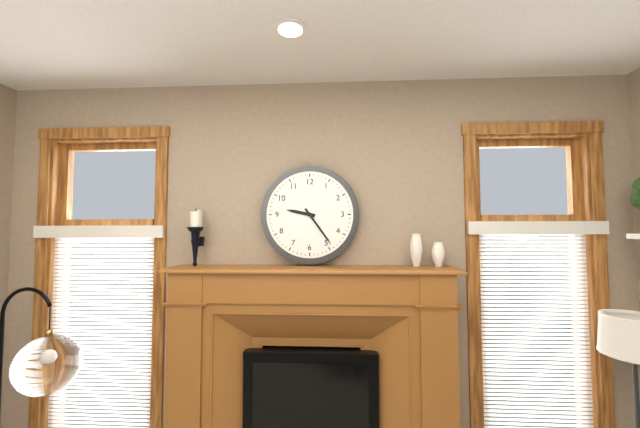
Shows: 9h24
